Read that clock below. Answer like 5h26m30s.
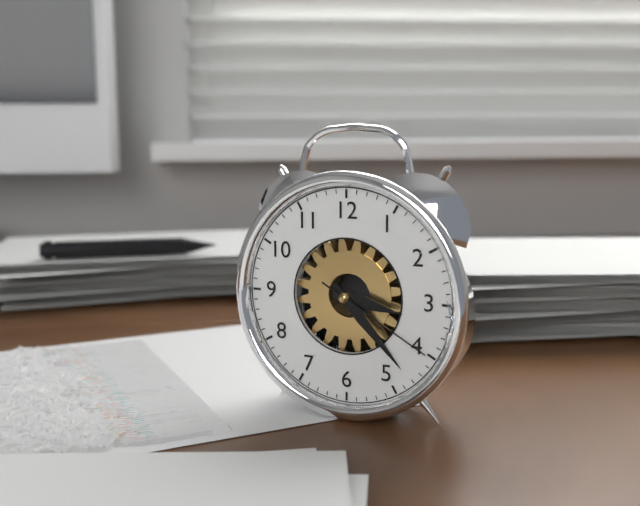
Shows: 3h23m20s
